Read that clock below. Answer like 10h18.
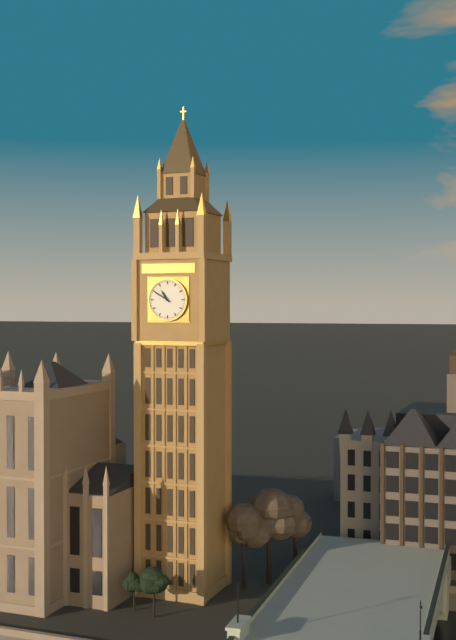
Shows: 10h50
